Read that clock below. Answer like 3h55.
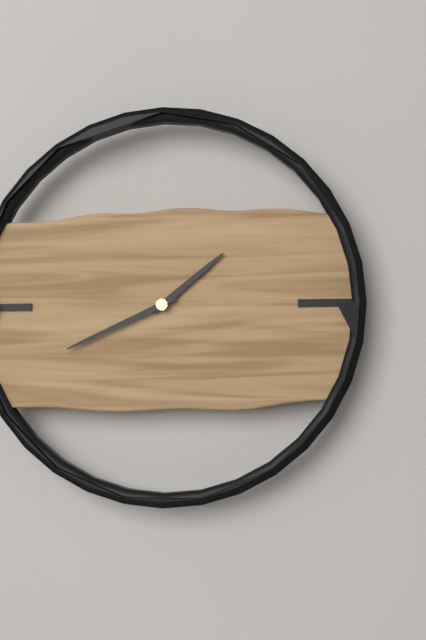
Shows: 1h41
